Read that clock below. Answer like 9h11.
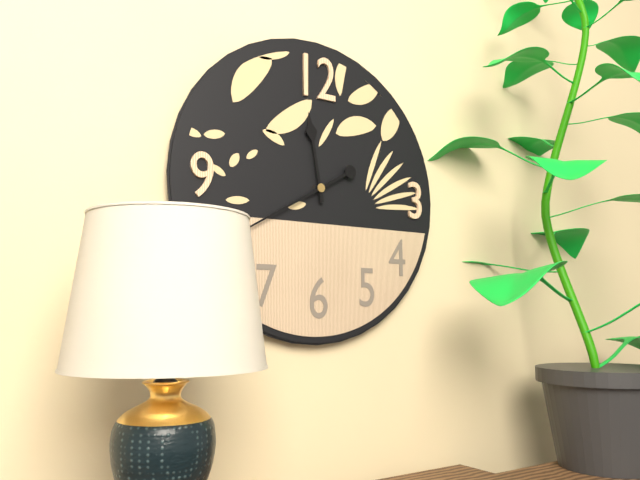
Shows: 11h40
